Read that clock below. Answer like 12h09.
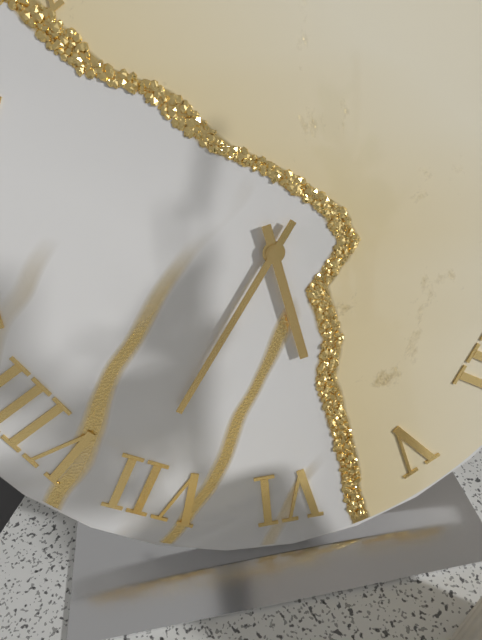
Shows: 5h36
